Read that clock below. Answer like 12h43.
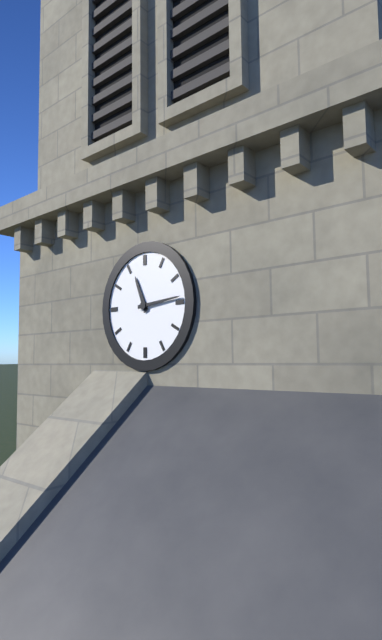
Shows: 11h14
